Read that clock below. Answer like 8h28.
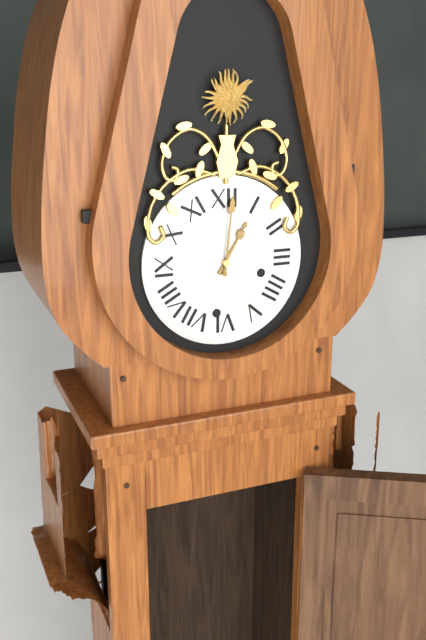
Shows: 1h01
